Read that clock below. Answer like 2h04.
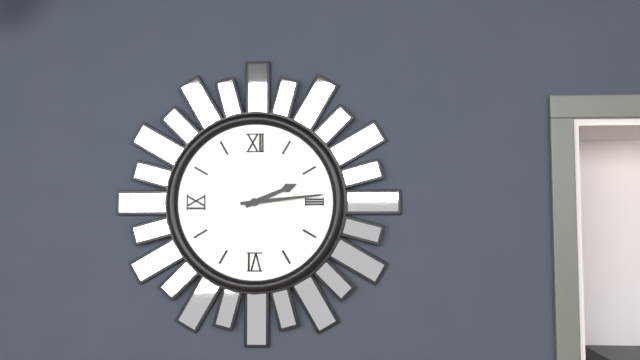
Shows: 2h14
